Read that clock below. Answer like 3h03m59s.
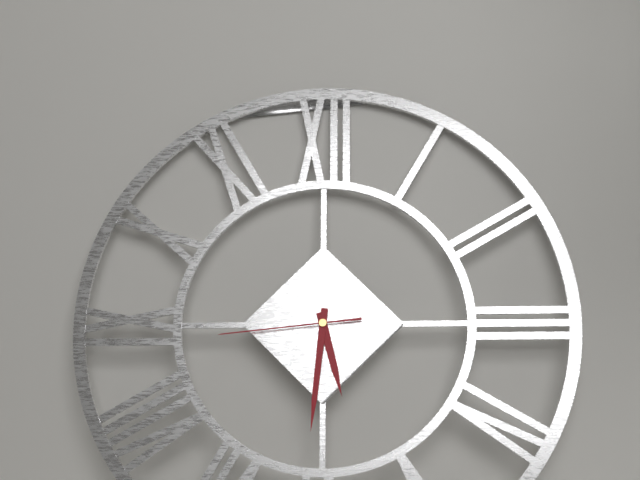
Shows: 5h31m44s
